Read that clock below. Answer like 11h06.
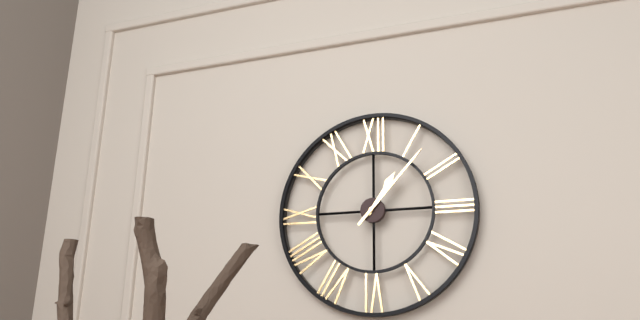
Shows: 1h07
